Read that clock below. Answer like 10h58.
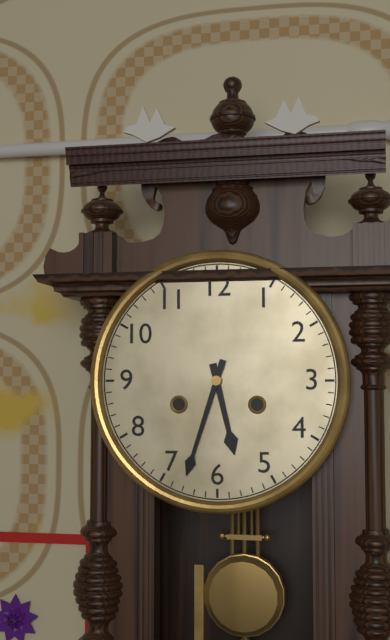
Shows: 5h33
